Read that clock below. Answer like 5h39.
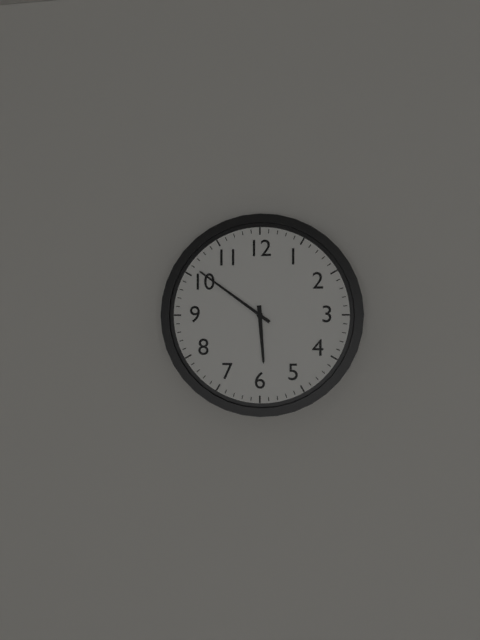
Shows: 5h51
